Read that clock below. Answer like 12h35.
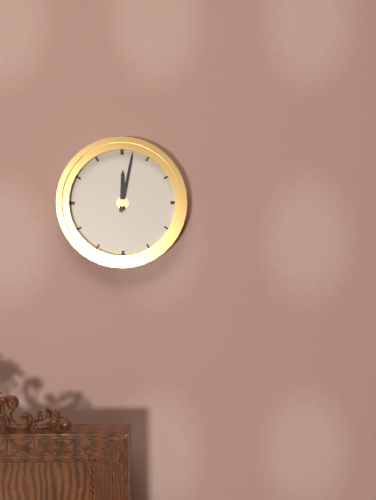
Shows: 12h02
